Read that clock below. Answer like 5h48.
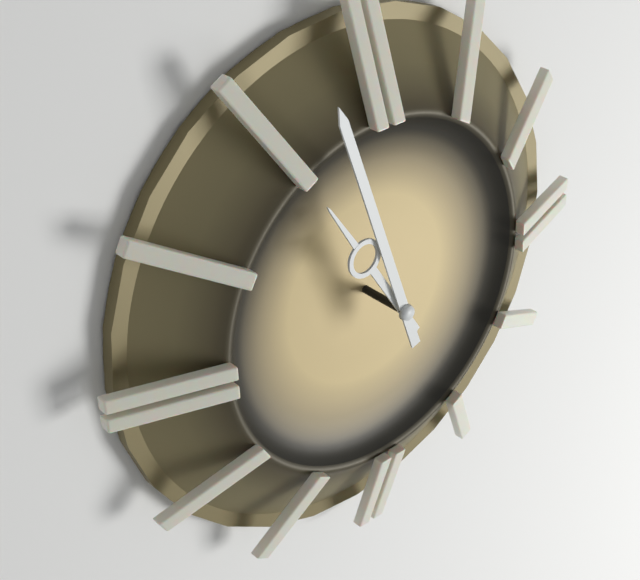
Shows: 10h57
